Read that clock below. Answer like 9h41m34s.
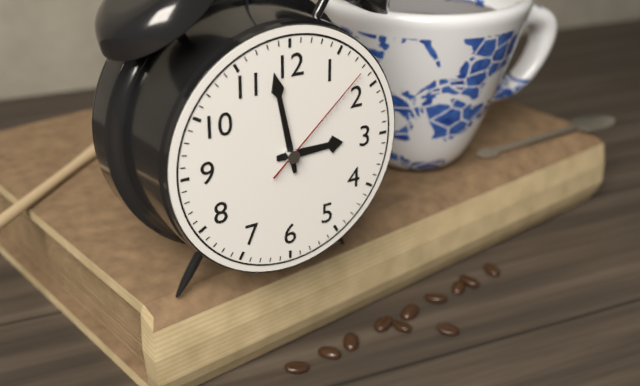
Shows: 2h58m08s
